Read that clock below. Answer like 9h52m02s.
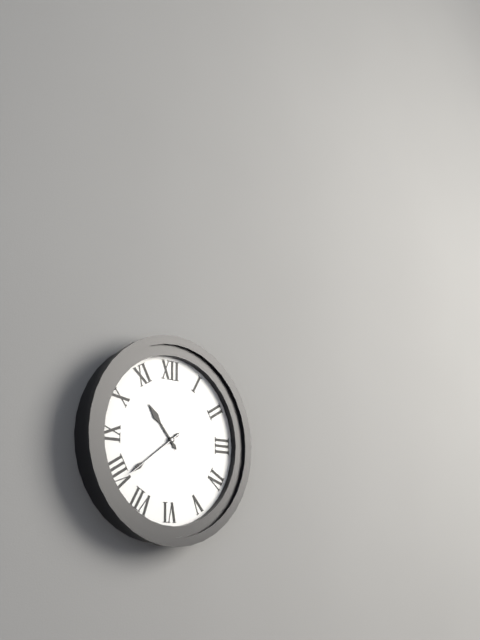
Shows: 10h39m39s
